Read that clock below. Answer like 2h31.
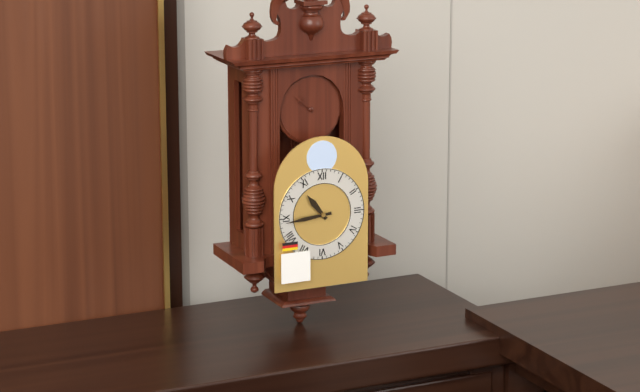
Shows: 10h44
